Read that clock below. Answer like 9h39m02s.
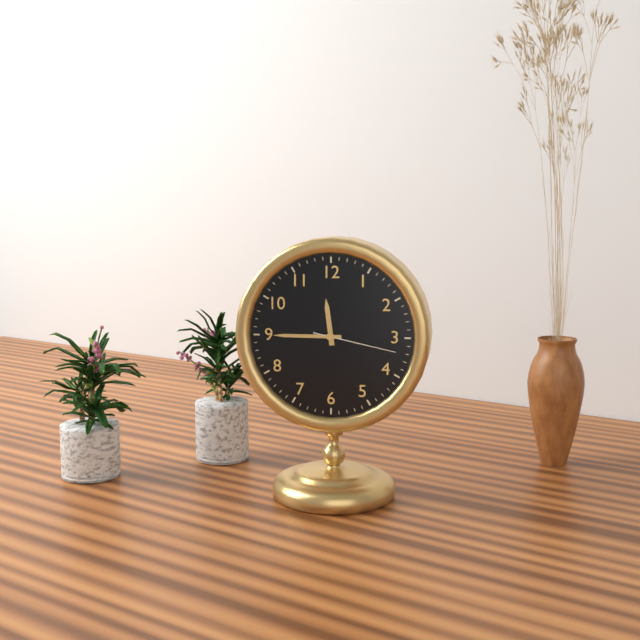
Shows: 11h45m17s
